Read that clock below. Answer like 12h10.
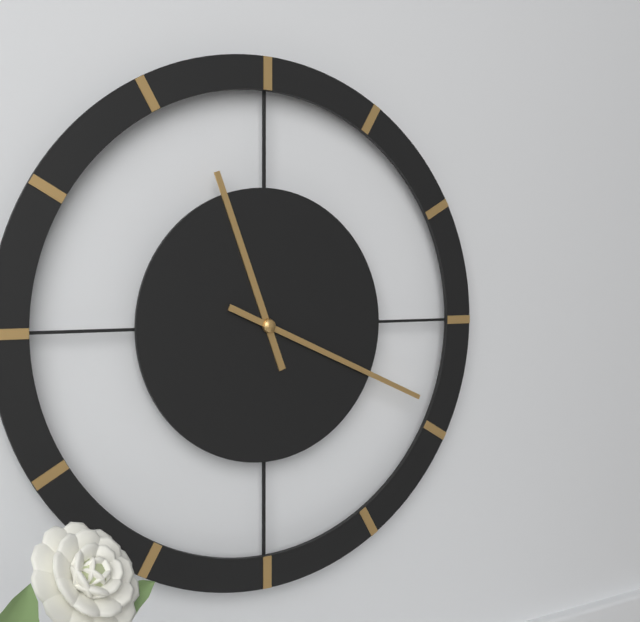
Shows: 11h19
